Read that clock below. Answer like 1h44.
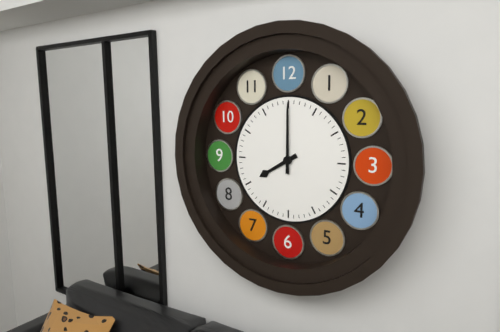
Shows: 8h00
